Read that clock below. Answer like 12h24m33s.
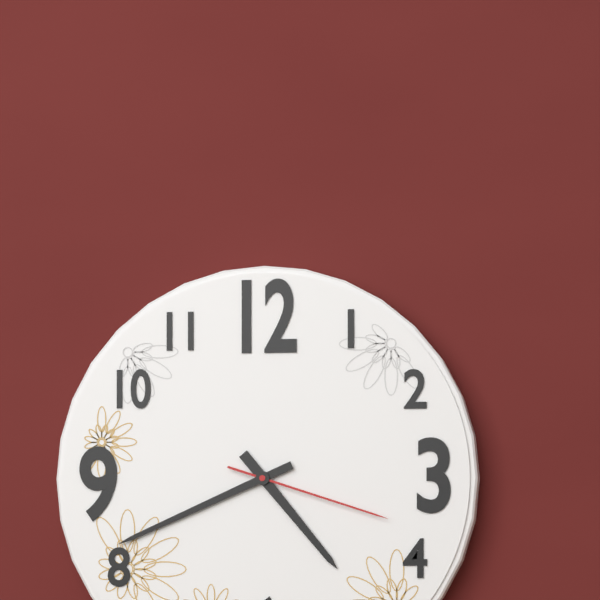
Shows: 4h41m18s
